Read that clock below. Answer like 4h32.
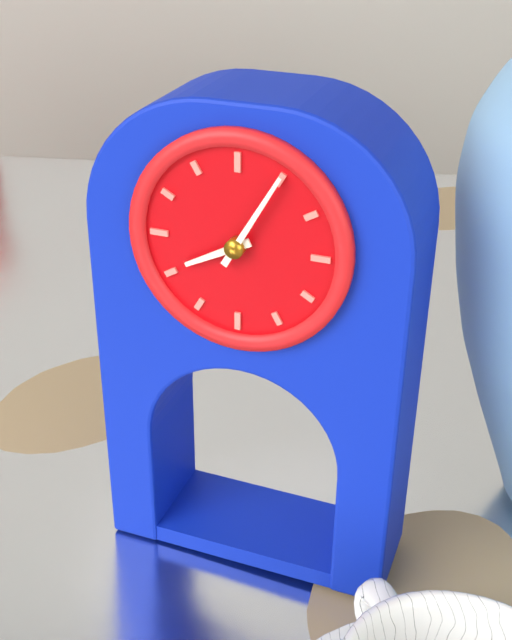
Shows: 8h05
